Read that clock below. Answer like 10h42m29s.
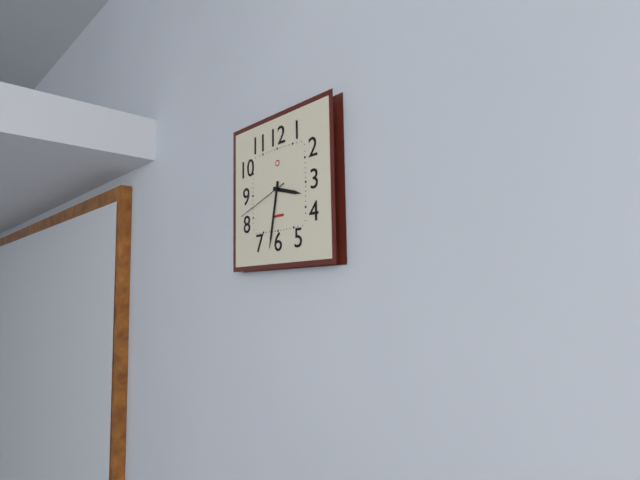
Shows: 3h32m42s
